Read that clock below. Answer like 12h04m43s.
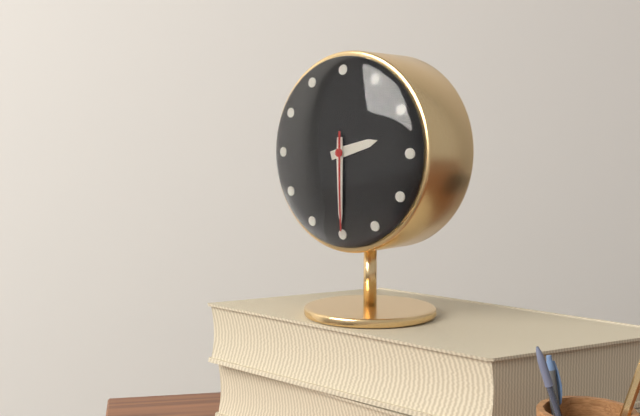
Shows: 2h30m30s
